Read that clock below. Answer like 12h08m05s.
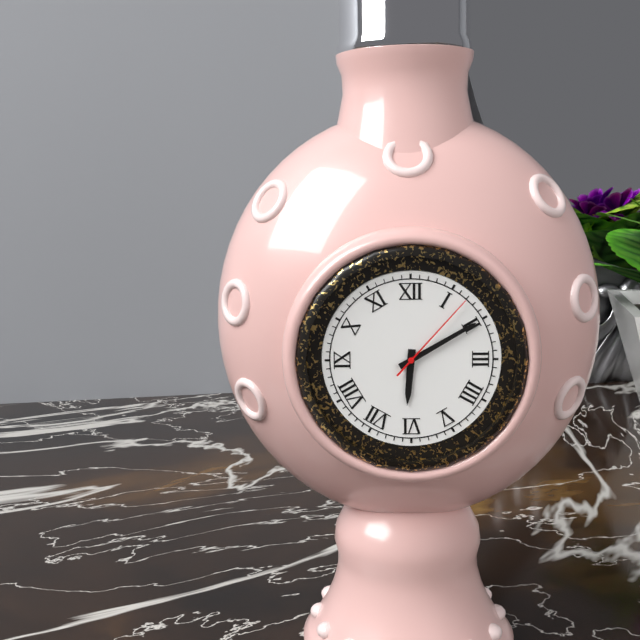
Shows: 6h10m07s
